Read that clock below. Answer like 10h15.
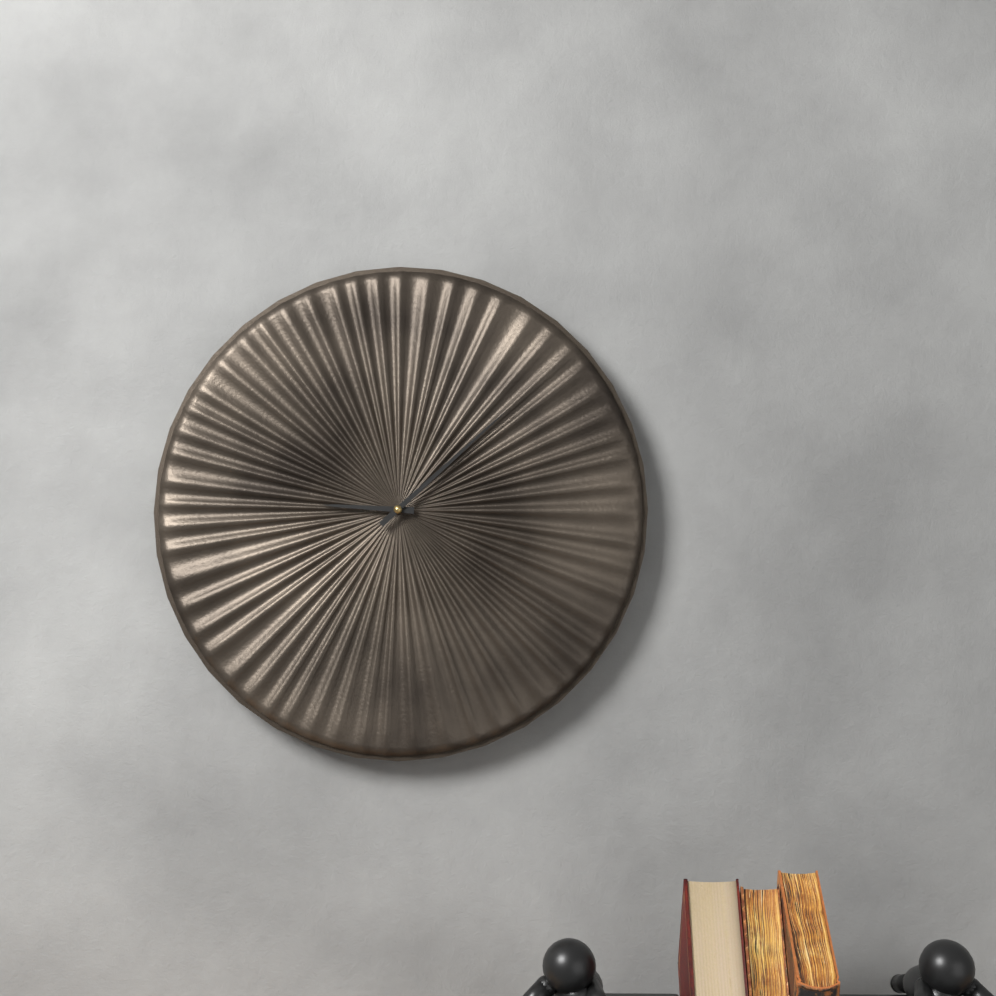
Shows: 9h08
